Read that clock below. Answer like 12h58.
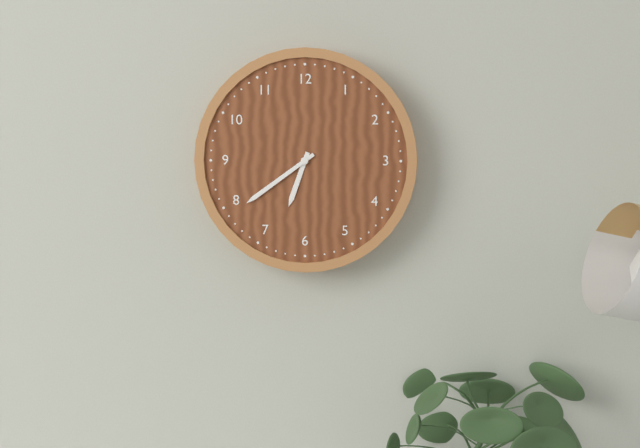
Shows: 6h39
